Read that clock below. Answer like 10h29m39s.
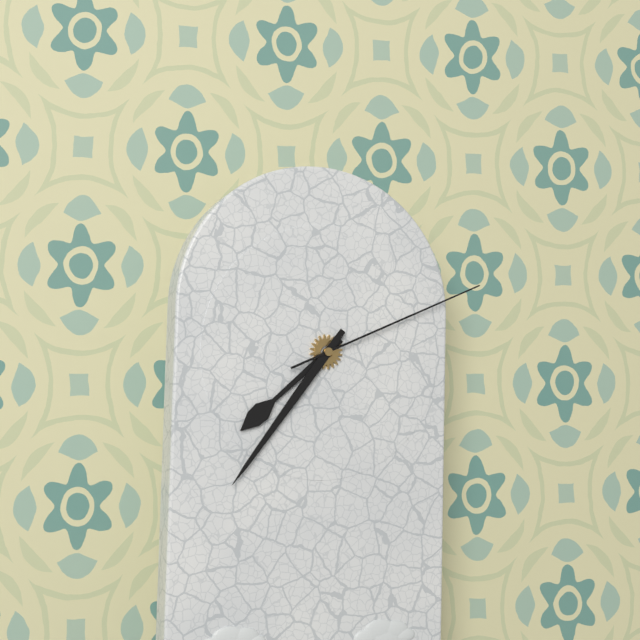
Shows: 7h36m11s
